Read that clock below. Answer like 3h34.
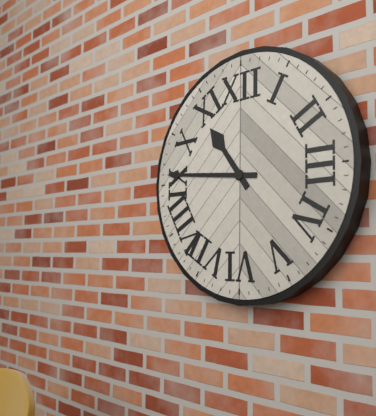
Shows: 10h46
